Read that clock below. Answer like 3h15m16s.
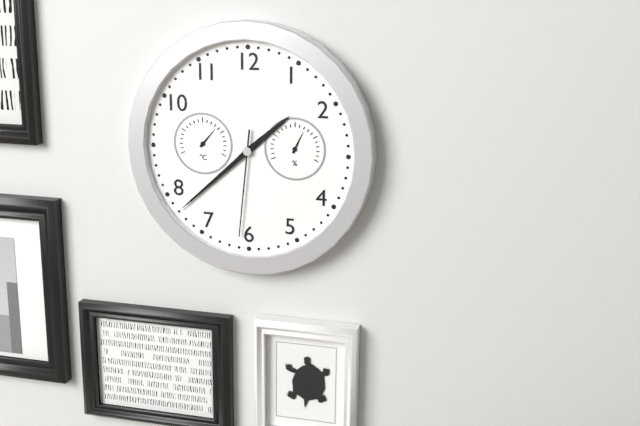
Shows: 1h38m31s
